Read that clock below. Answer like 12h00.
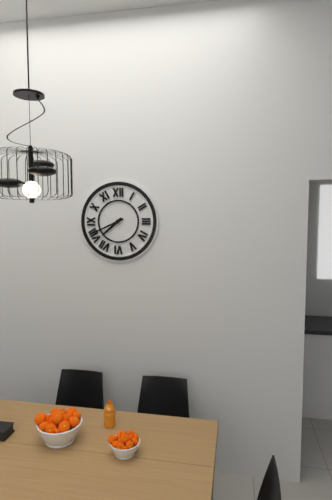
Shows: 7h41
